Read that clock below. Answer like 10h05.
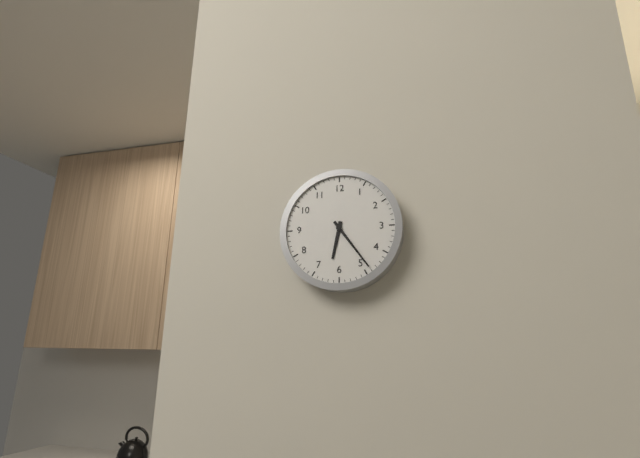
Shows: 6h24
